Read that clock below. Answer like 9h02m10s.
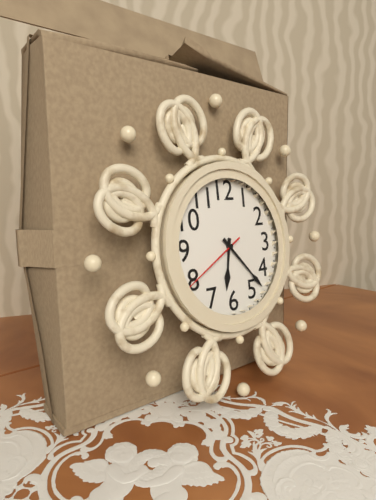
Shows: 6h23m40s
